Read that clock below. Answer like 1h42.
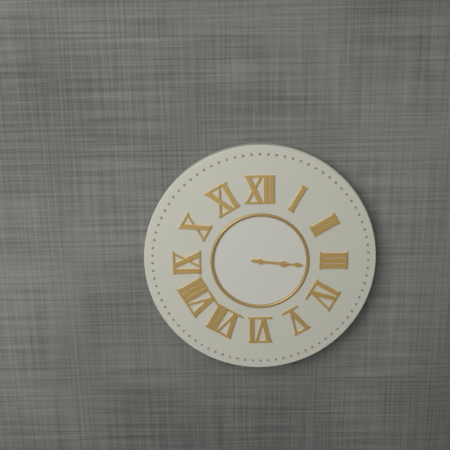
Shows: 3h16
